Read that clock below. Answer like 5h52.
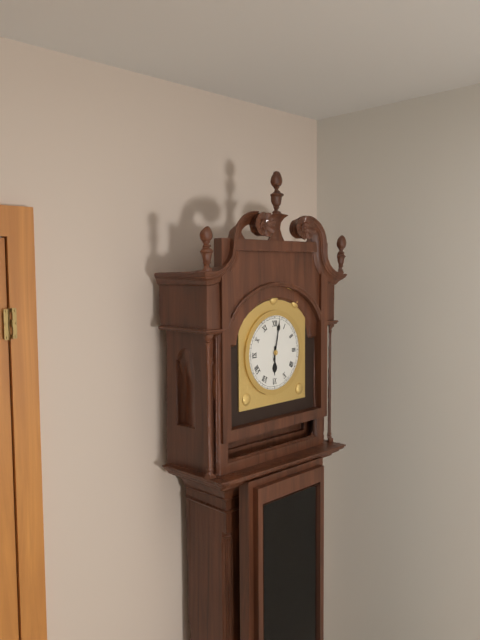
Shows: 6h02
